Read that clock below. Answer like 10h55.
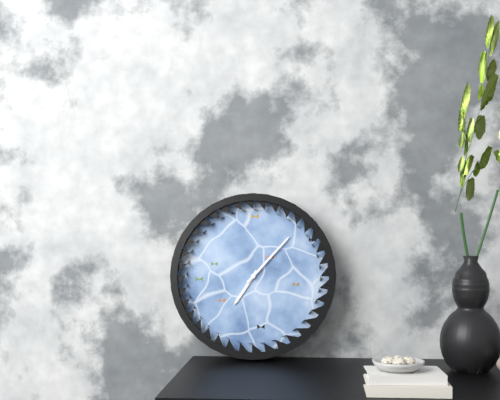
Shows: 7h07
